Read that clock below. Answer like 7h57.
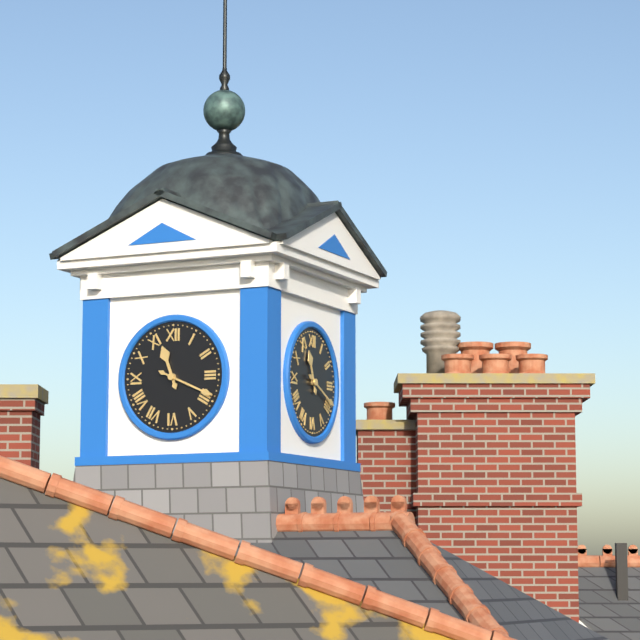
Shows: 11h19
